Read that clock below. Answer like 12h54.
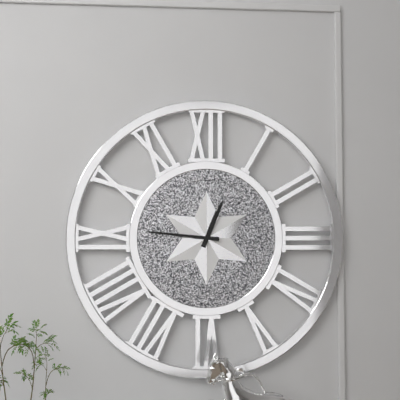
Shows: 12h46
